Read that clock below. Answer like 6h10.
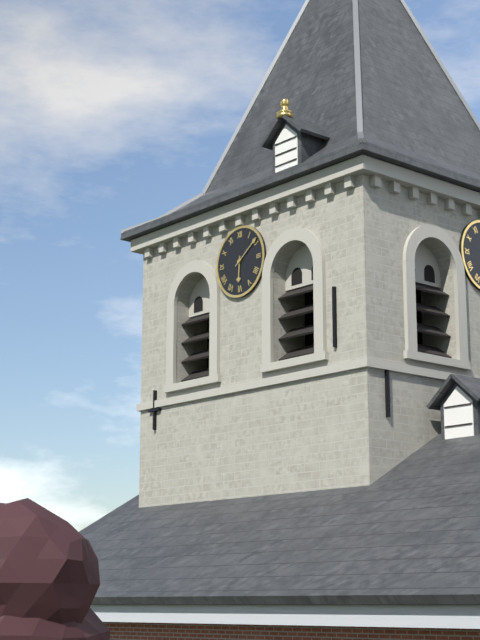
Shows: 6h09
